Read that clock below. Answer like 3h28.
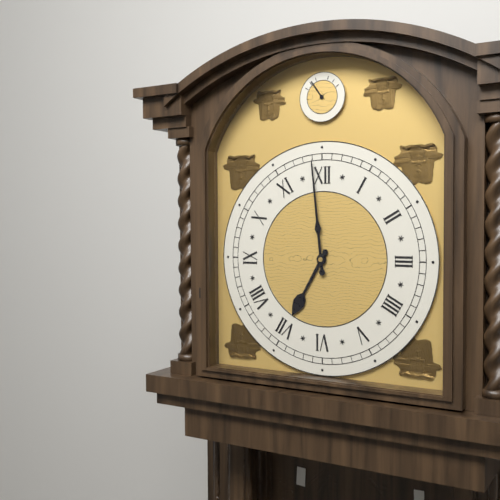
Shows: 6h59
